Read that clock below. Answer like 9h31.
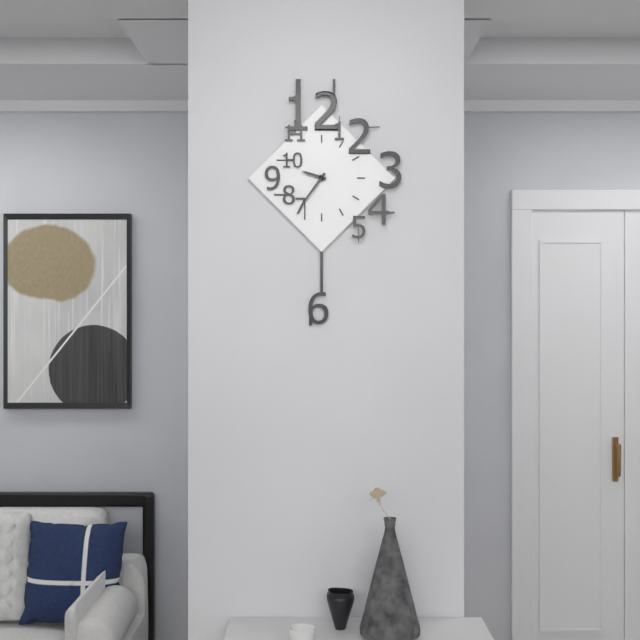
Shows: 9h36
